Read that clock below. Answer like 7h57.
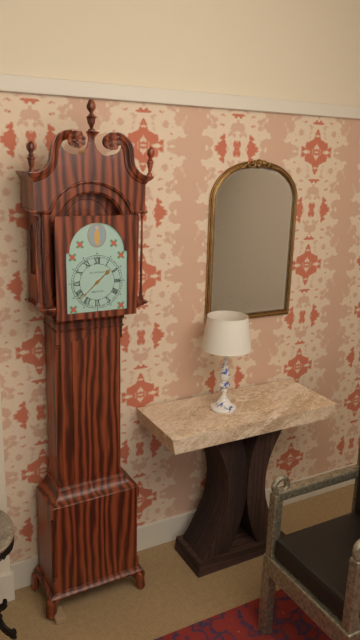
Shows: 1h38
